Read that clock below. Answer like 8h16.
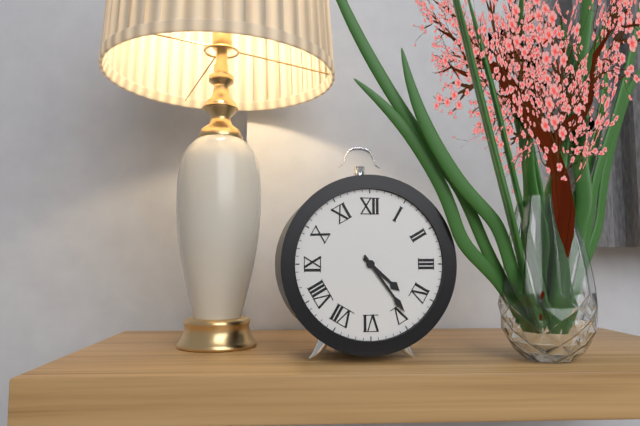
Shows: 4h24
